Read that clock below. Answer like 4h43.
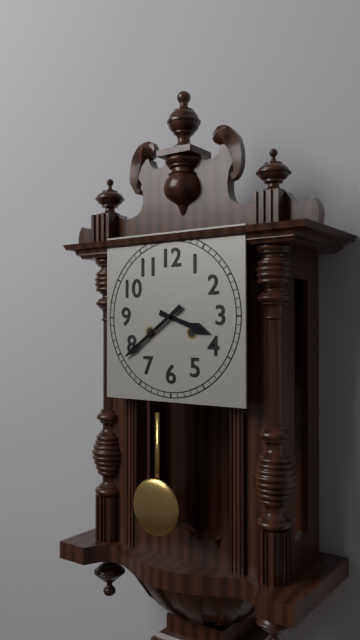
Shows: 3h39
